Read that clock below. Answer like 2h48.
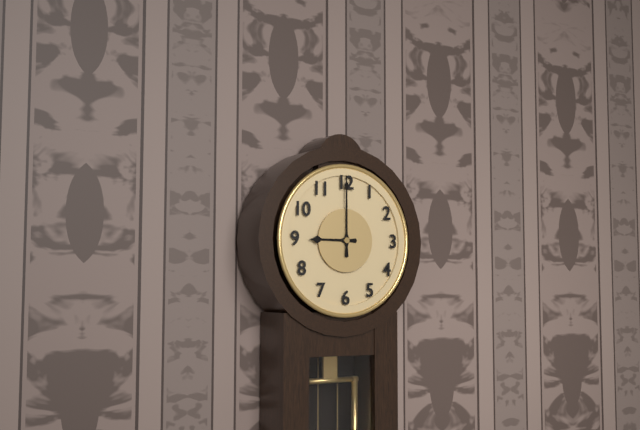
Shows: 9h00
